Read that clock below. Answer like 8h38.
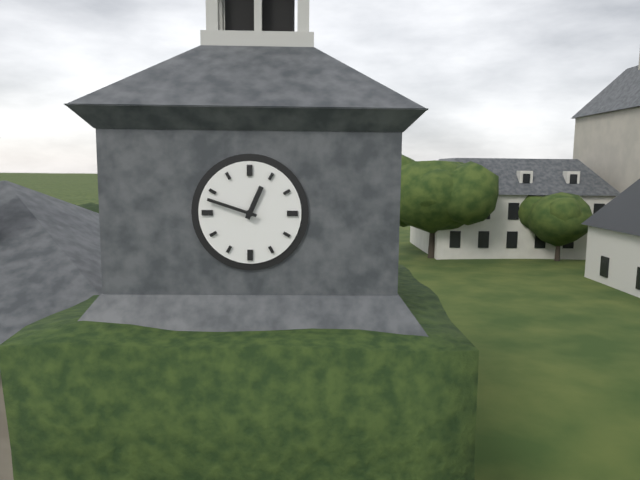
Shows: 12h48
